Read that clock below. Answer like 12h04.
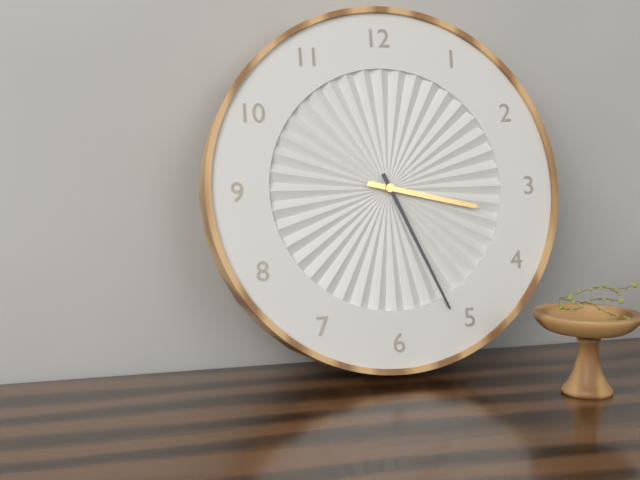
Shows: 3h26
